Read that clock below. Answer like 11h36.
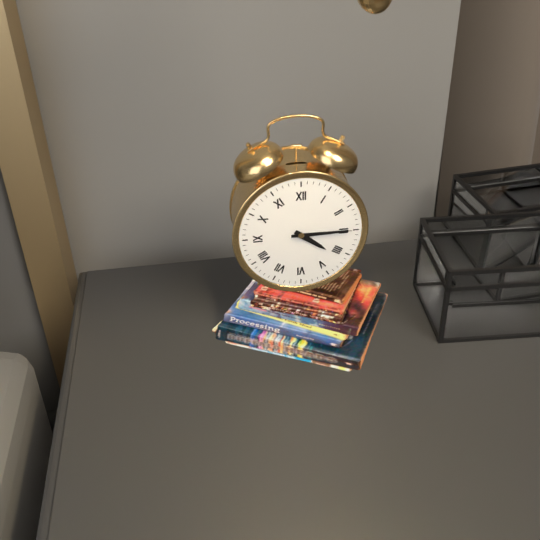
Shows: 4h15
